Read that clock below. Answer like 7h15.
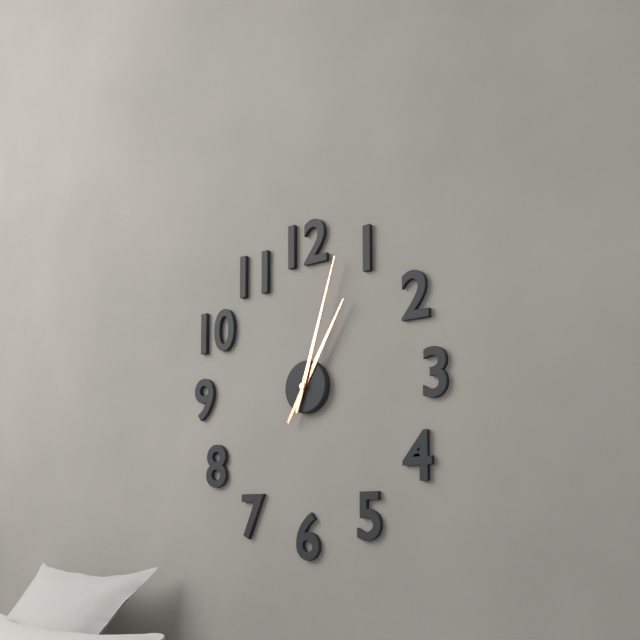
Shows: 1h03
